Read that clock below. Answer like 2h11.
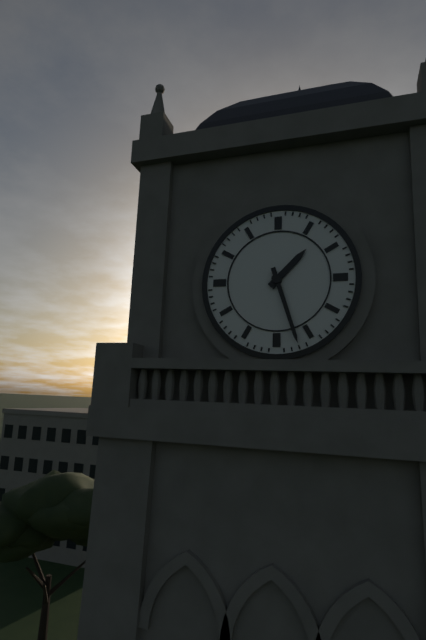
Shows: 1h27
